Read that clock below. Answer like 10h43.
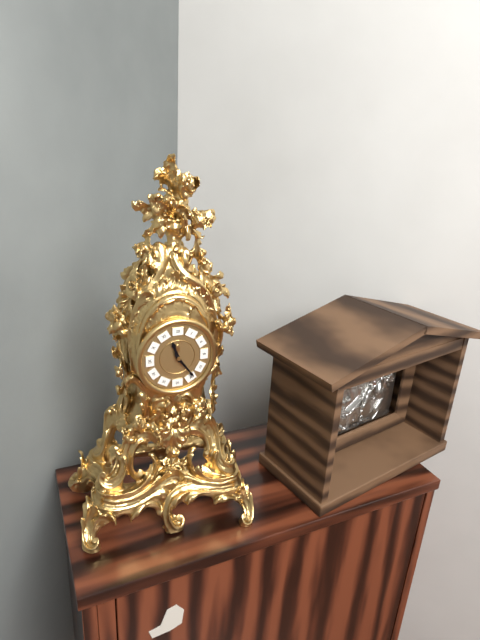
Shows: 11h24
